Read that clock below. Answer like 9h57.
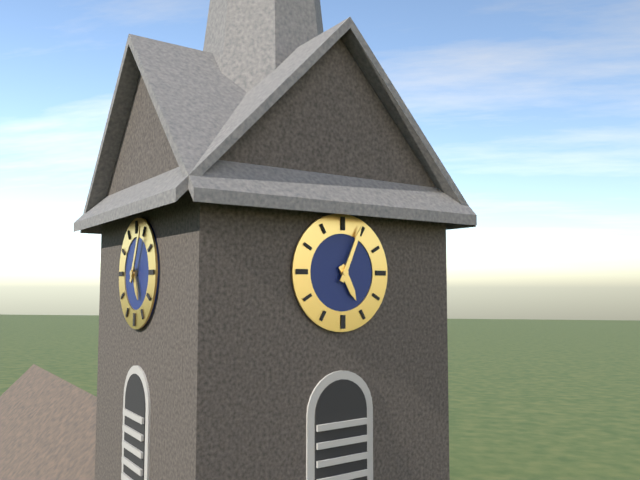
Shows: 5h04
